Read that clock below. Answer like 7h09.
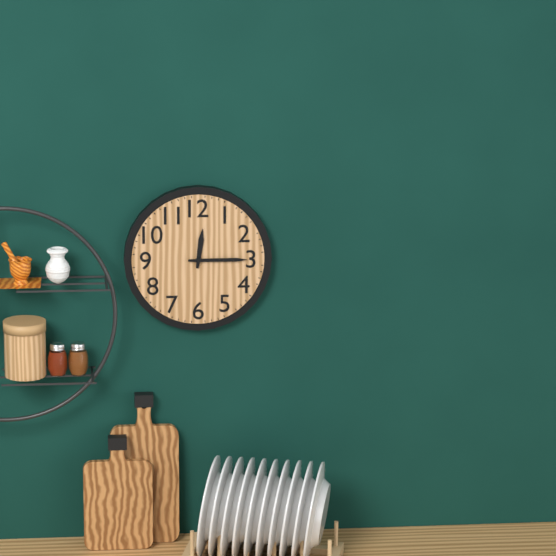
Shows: 12h15
